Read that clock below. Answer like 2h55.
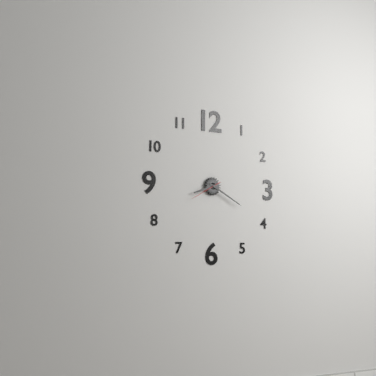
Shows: 8h20
